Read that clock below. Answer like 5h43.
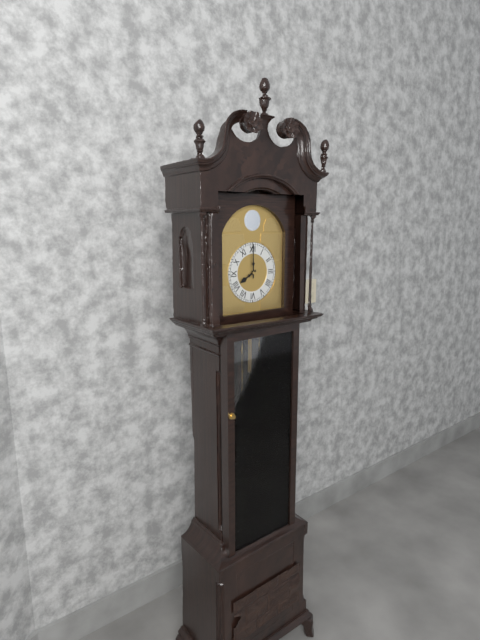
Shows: 8h00
